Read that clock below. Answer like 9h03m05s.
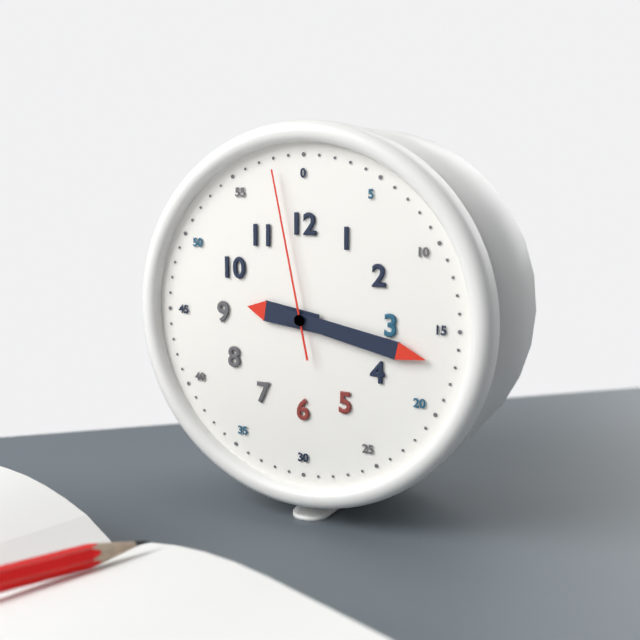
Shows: 9h17m58s
